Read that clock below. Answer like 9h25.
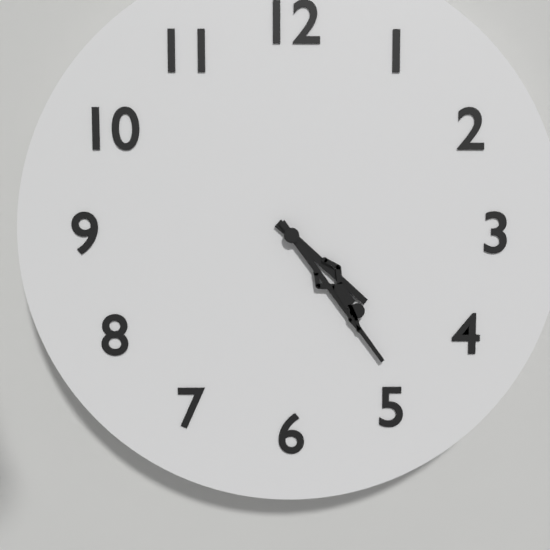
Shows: 4h24
